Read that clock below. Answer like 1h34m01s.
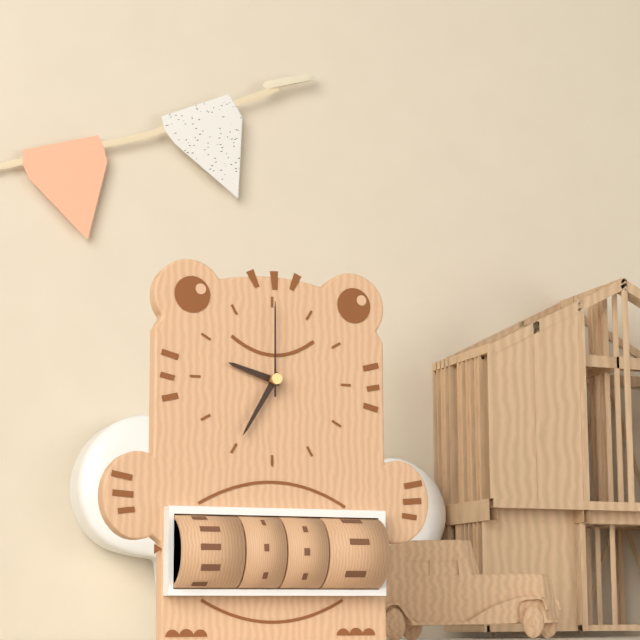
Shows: 9h35m00s
